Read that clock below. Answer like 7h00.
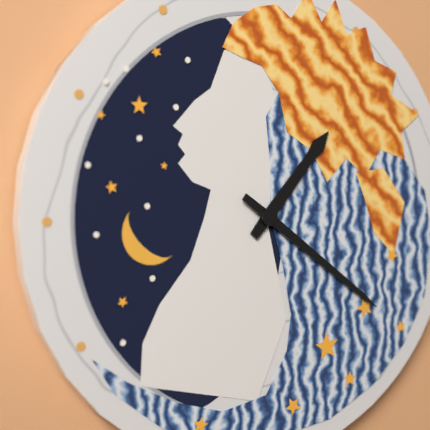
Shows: 1h21
